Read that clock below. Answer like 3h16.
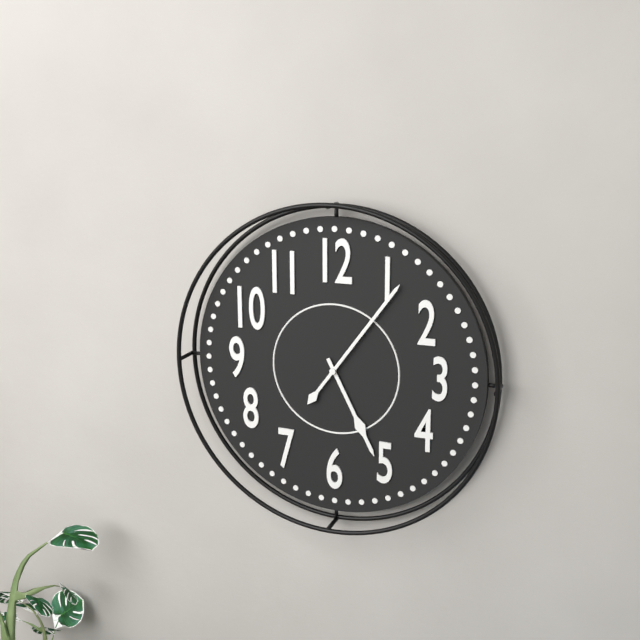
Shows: 5h06
